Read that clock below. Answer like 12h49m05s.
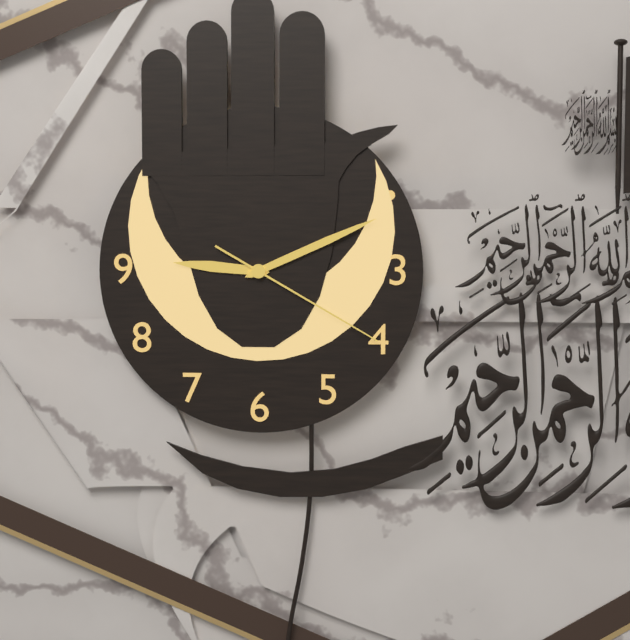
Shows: 9h11m20s
